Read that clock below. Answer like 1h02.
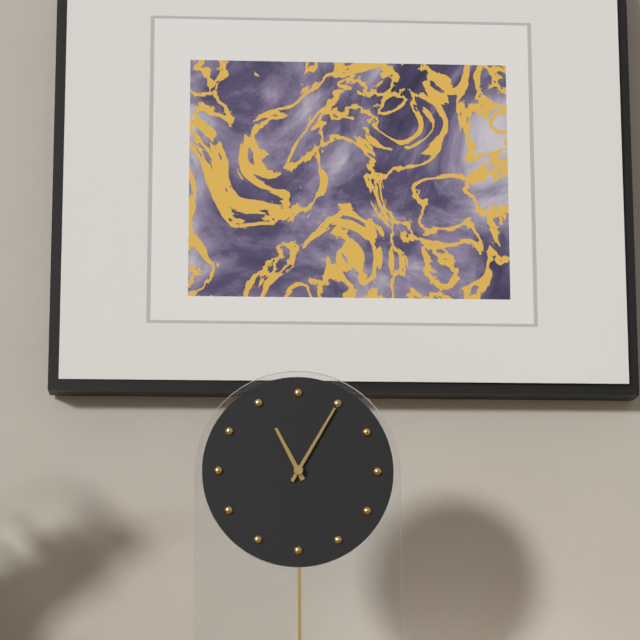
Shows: 11h05
